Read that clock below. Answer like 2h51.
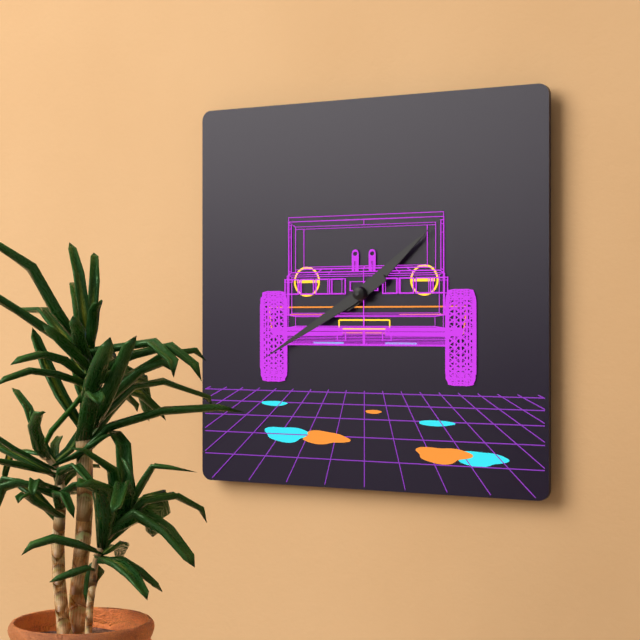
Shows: 1h40
